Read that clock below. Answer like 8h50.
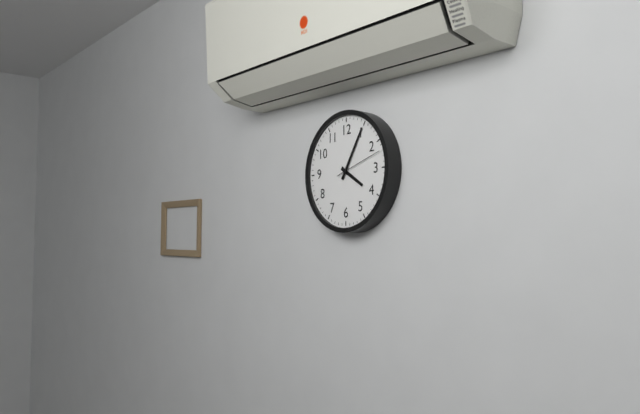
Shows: 4h05
